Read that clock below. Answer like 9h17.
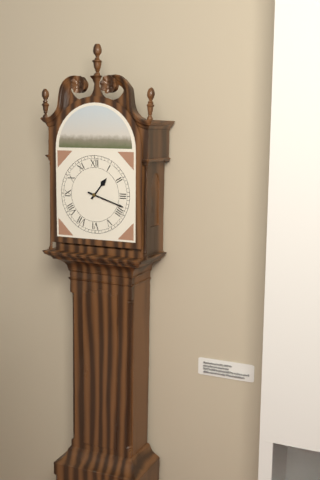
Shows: 1h18
